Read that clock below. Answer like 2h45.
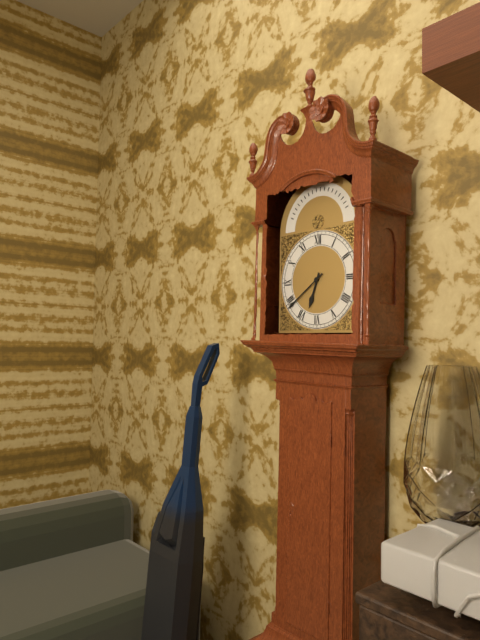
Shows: 6h39
